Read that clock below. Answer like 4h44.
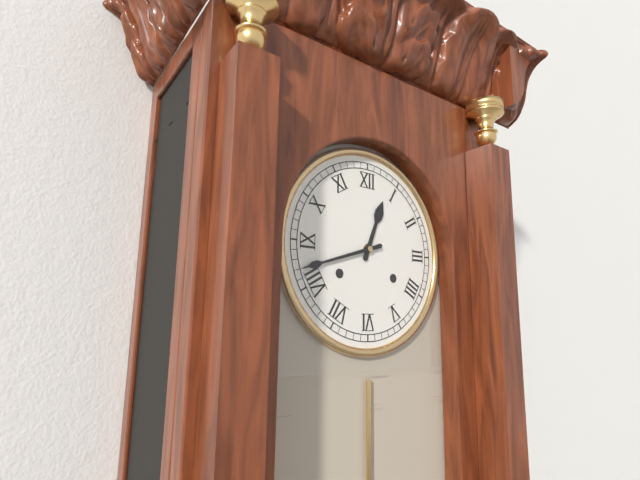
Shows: 12h42
